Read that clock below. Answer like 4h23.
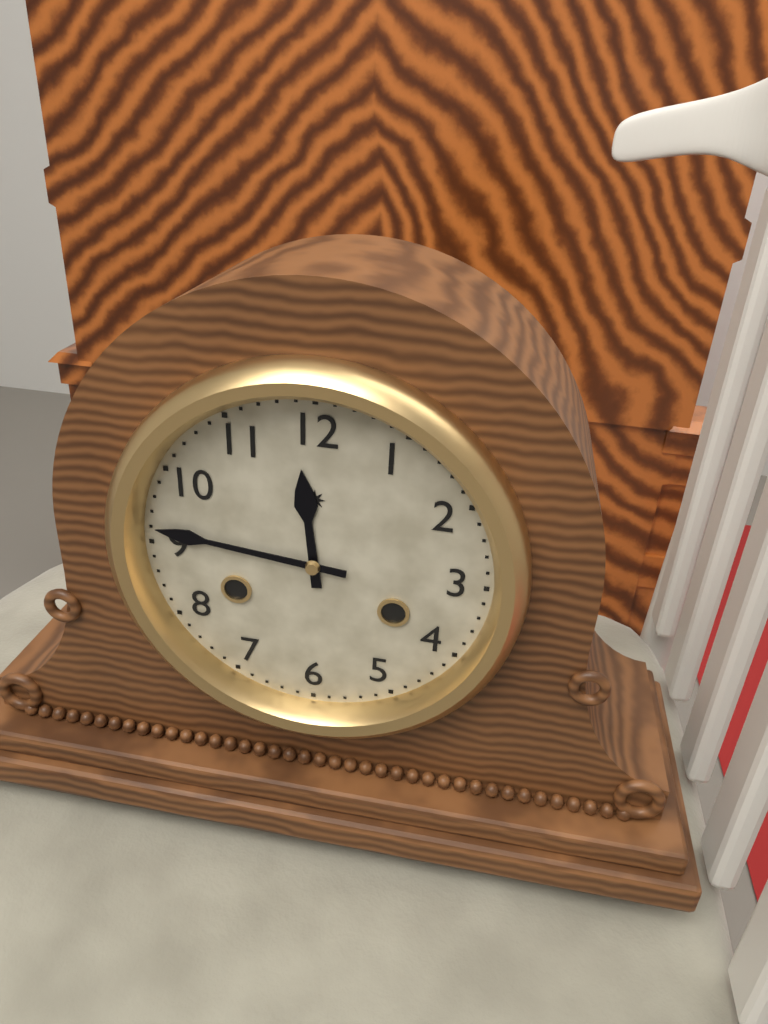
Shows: 11h46
